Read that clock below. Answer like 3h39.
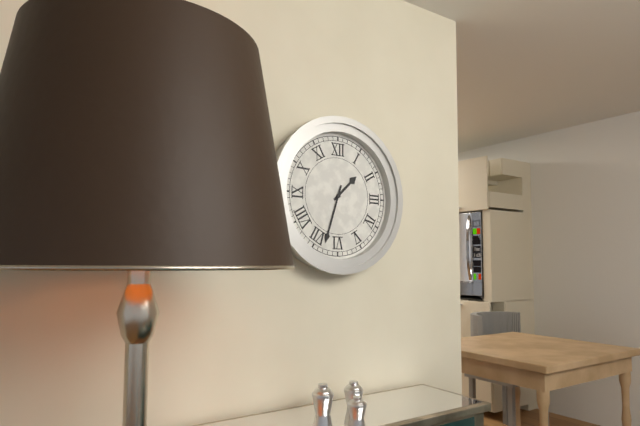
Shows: 1h33
